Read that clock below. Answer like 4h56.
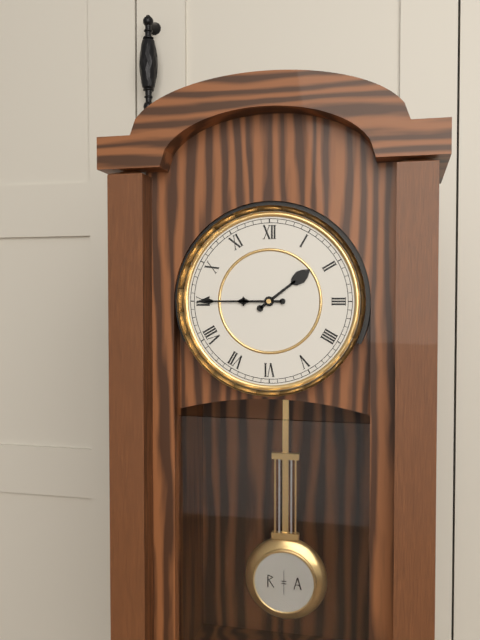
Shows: 1h45
